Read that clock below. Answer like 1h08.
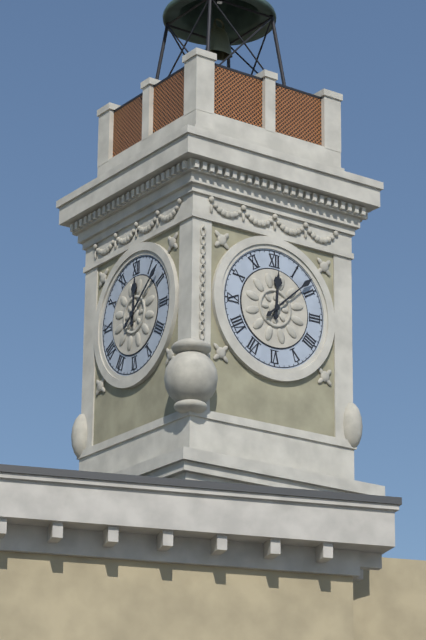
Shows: 12h08
